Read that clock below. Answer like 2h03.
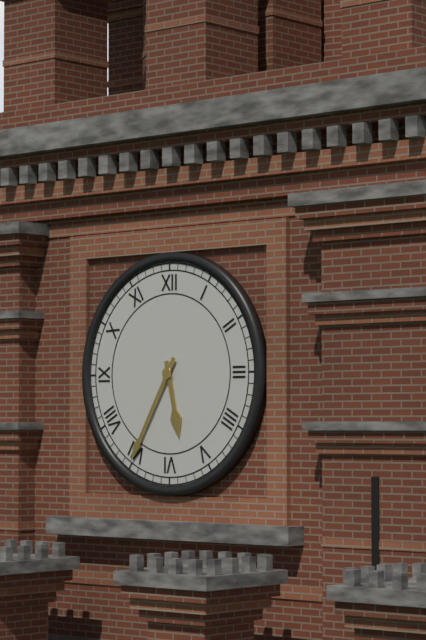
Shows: 5h35
